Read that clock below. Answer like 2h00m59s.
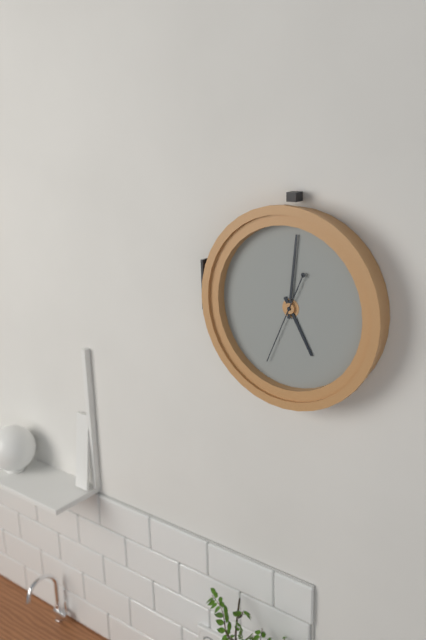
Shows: 5h01m34s
